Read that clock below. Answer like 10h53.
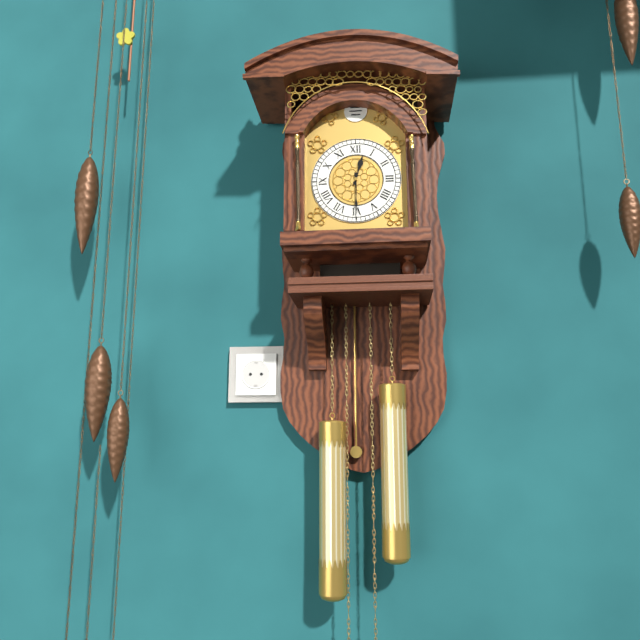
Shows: 12h30
